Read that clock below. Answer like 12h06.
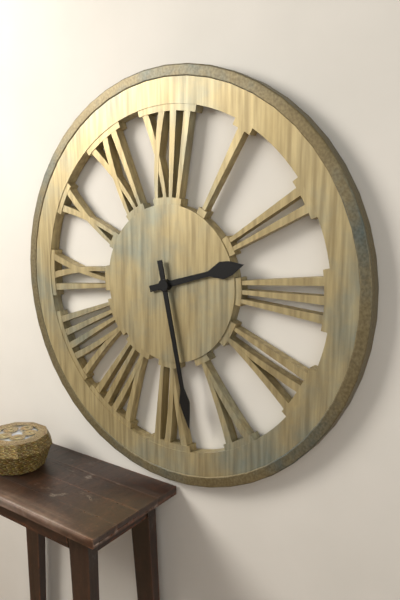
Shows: 2h28
